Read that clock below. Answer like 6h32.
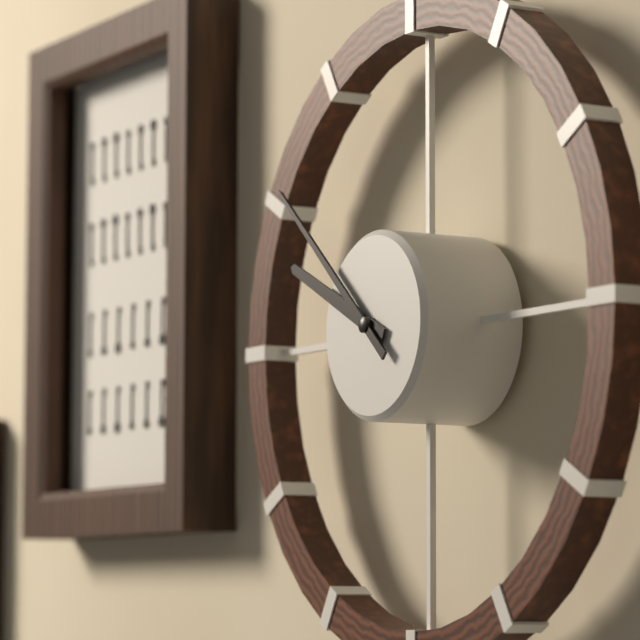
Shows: 9h52
